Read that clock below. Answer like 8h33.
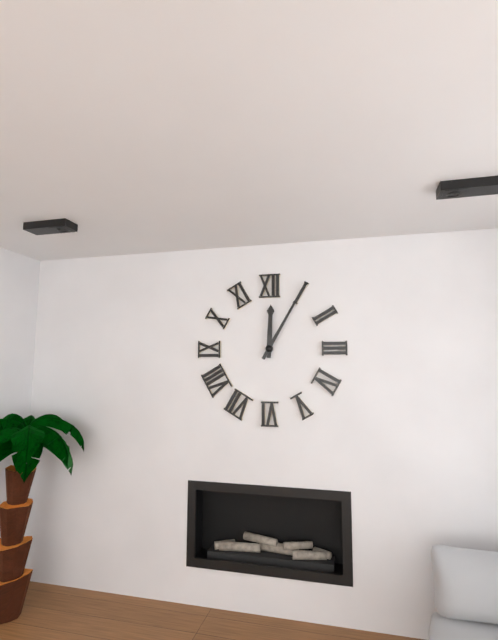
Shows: 12h05
